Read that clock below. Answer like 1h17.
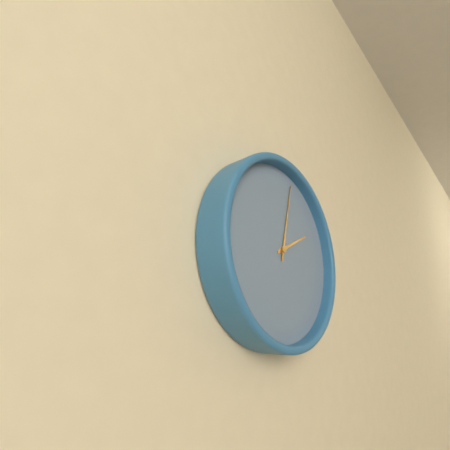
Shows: 2h02
